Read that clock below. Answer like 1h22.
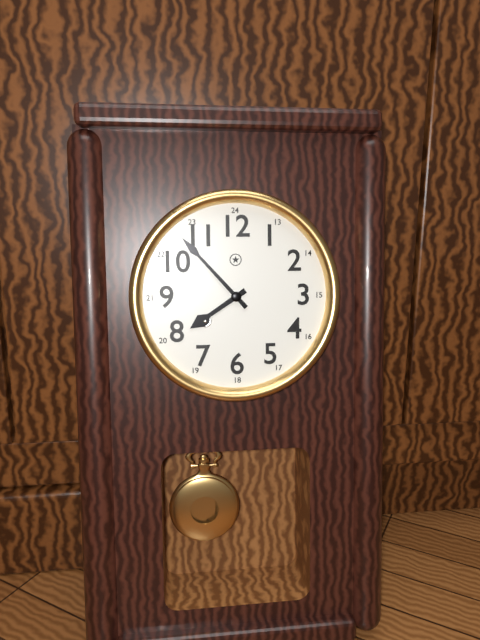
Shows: 7h53
